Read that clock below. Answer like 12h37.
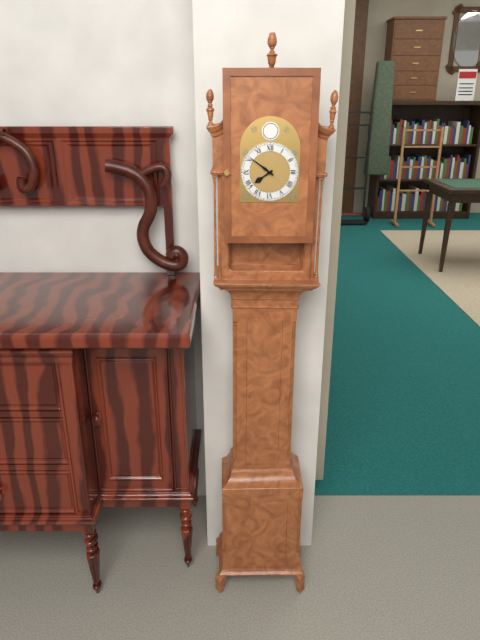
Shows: 7h51
